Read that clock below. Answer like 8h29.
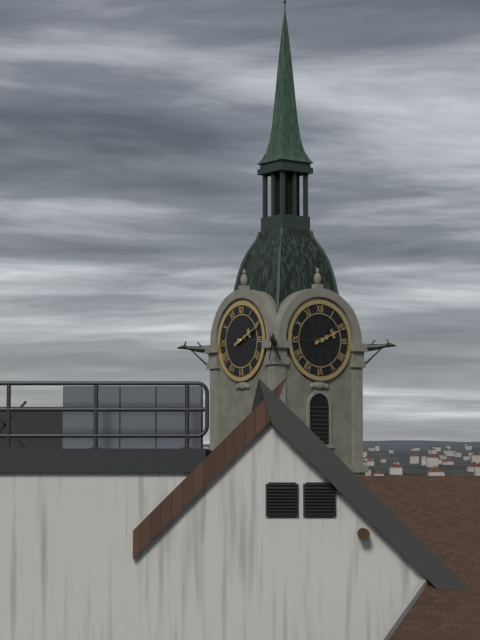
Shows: 2h11
